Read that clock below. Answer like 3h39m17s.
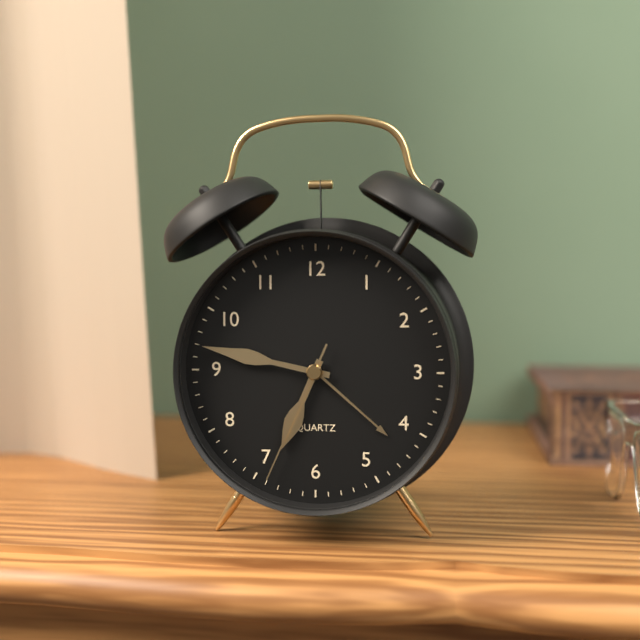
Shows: 6h47m34s
